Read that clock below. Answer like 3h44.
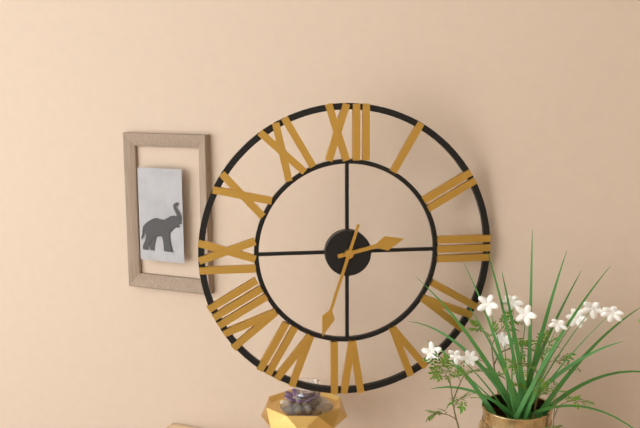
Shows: 2h33
